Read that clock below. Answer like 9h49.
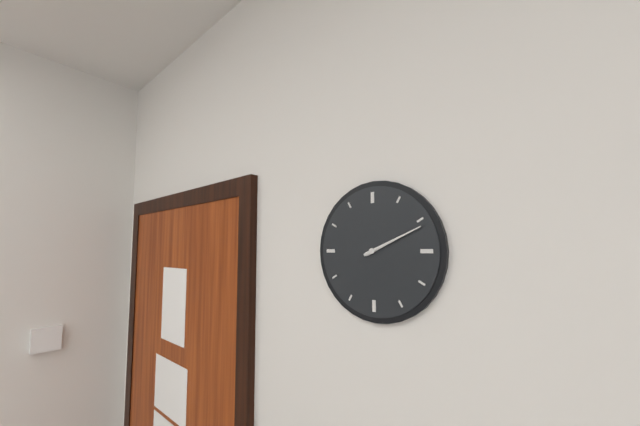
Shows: 2h11
